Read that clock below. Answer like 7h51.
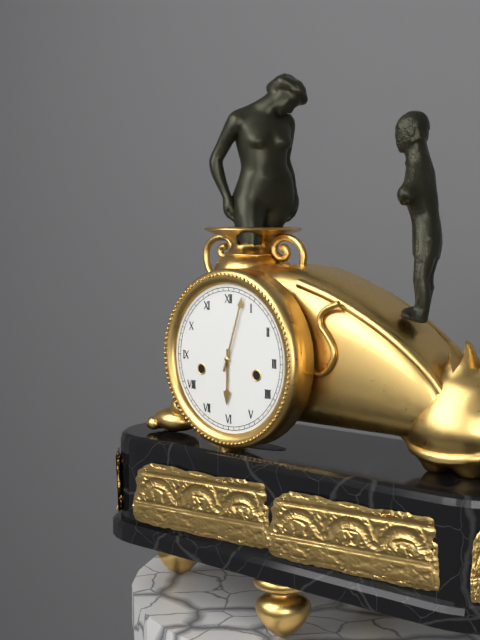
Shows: 6h03
